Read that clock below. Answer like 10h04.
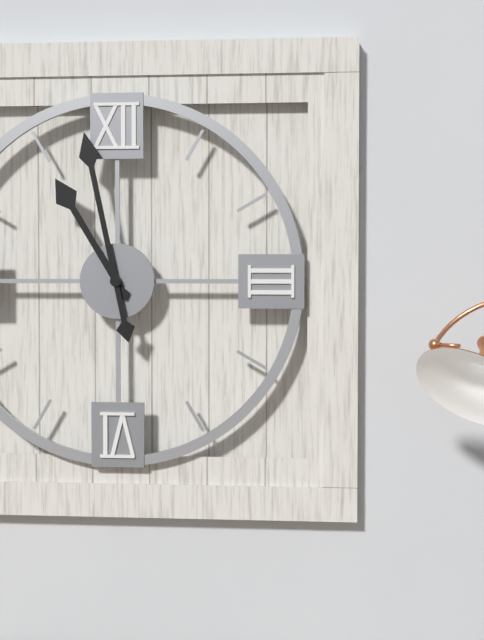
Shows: 10h58
